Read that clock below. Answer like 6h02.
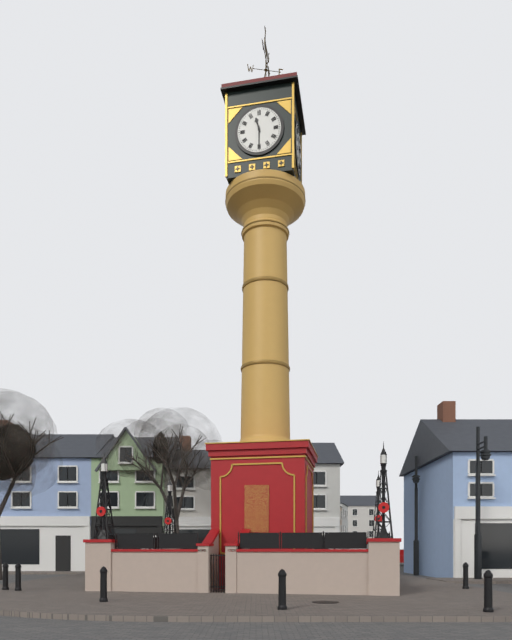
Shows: 11h30
